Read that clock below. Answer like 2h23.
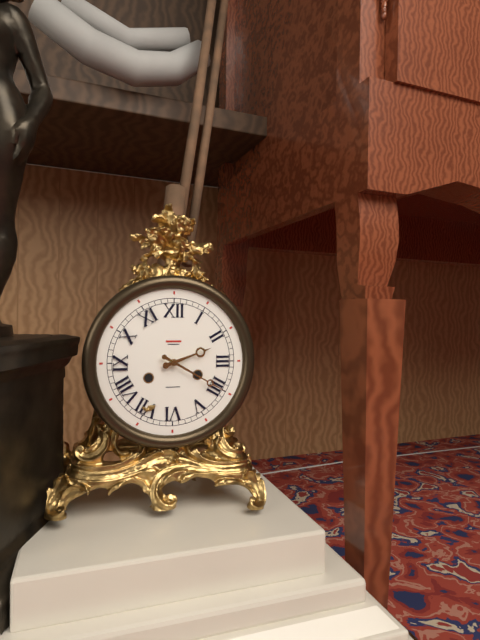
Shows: 2h20
